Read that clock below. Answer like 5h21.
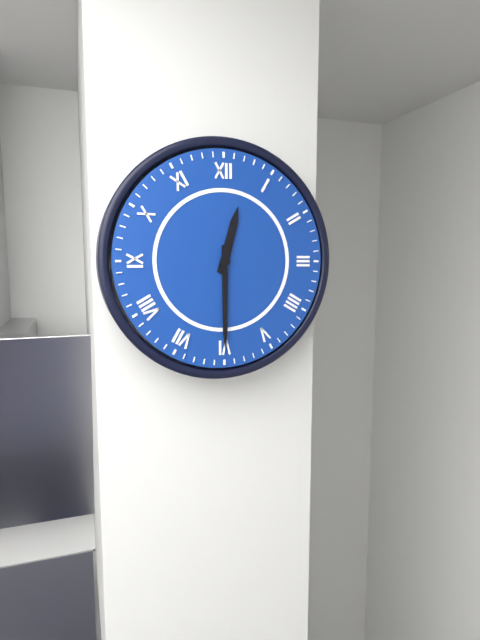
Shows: 12h30
